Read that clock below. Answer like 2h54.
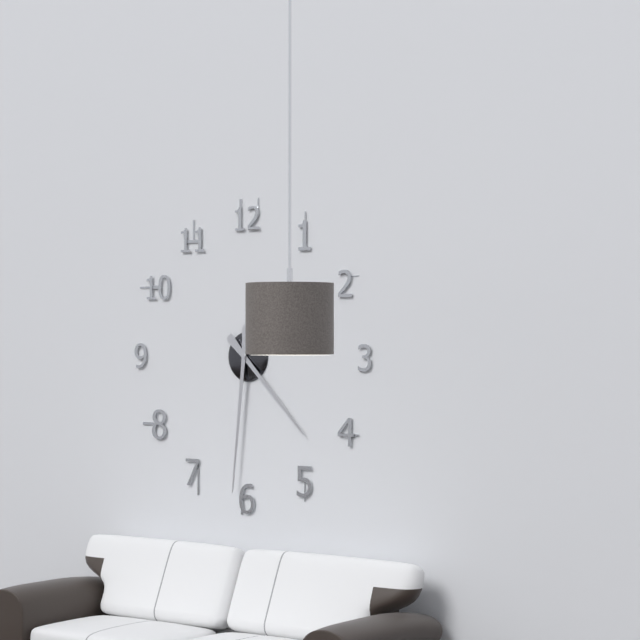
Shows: 4h31
